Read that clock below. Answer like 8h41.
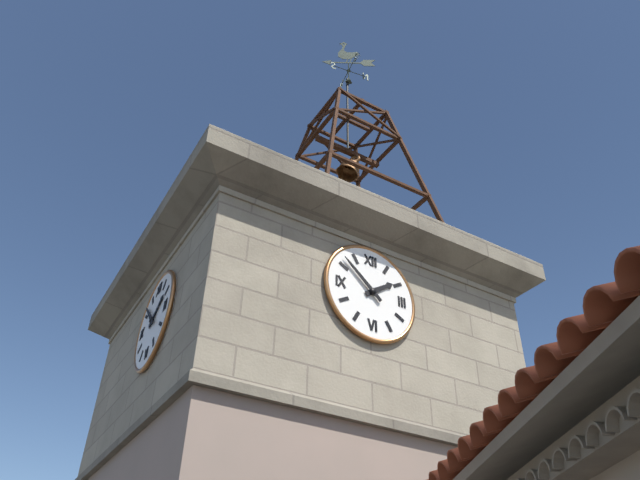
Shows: 1h52
